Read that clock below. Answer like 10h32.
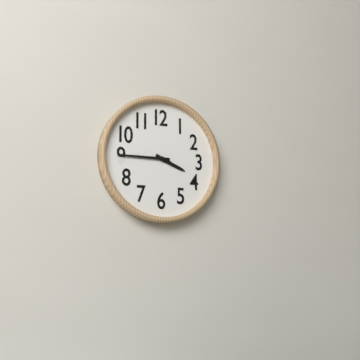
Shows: 3h45
